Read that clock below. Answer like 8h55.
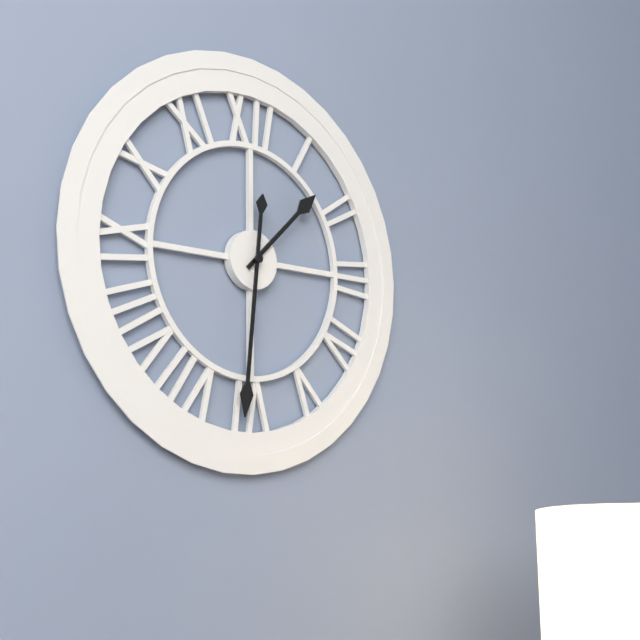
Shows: 1h31
